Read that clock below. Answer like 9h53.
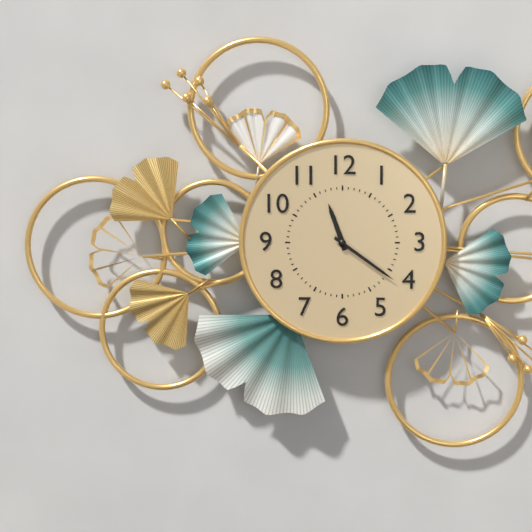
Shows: 11h21
